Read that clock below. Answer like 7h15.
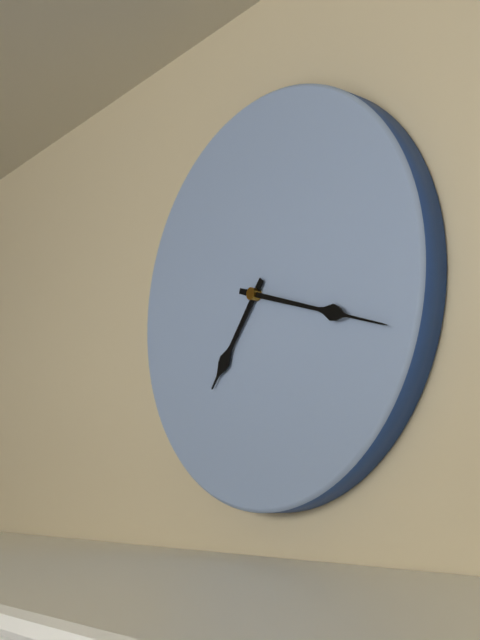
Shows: 7h18
